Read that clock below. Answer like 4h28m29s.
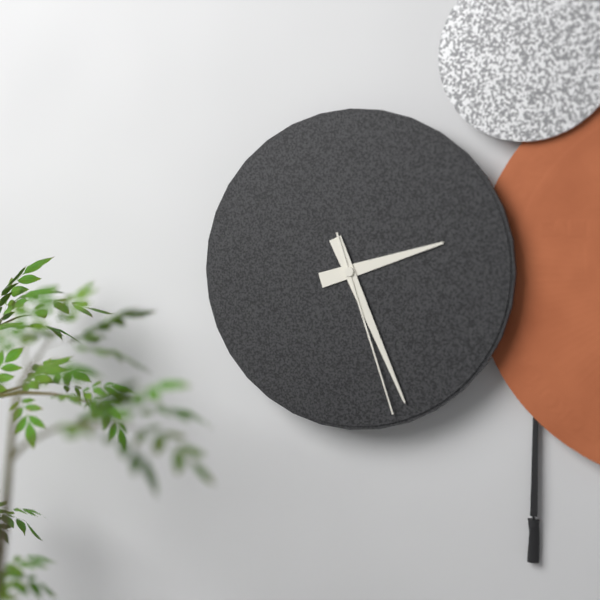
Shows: 2h26m27s
